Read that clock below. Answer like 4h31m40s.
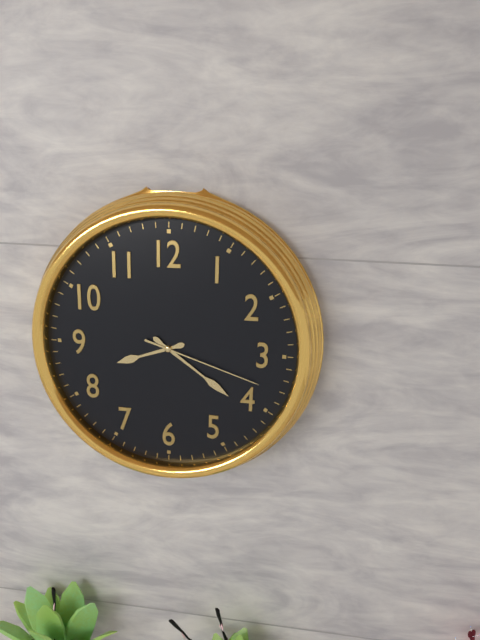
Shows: 8h21m18s
